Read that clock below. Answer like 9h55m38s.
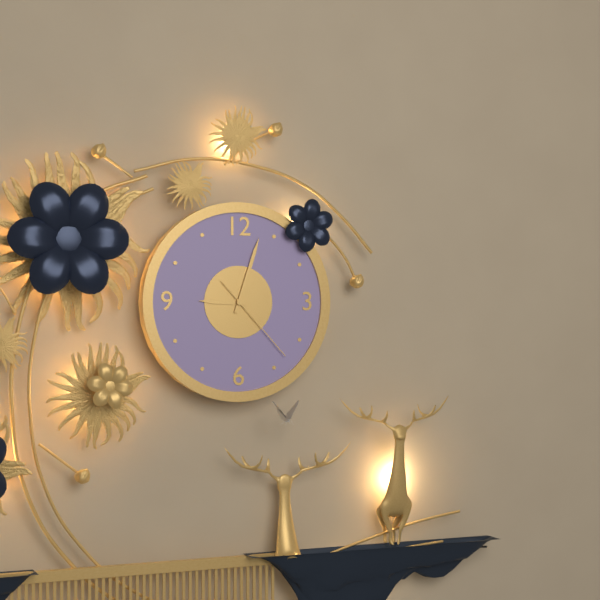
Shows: 9h03m23s
